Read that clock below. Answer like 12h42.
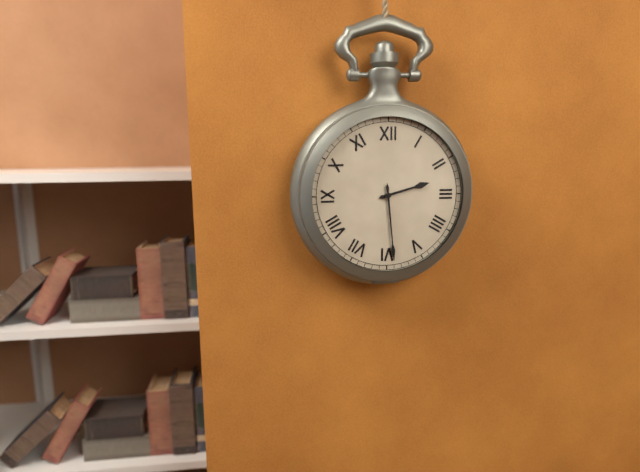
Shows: 2h29
